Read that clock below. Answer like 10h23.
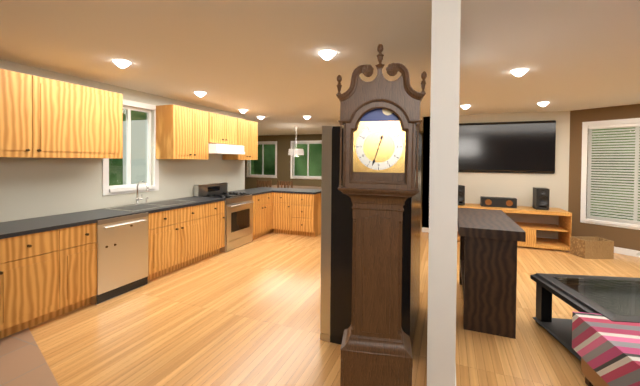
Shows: 12h33
